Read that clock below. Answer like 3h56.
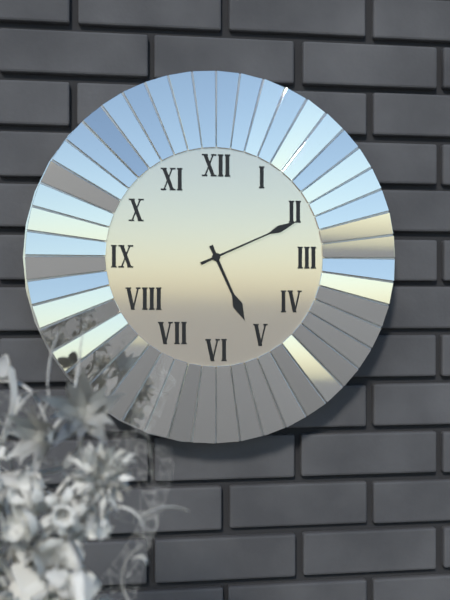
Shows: 5h11
